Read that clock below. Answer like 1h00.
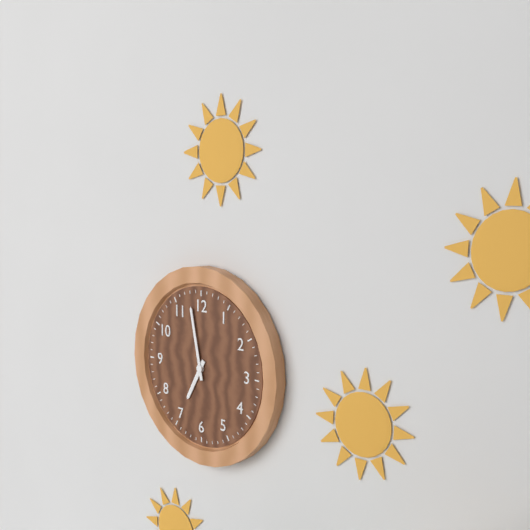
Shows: 6h58
